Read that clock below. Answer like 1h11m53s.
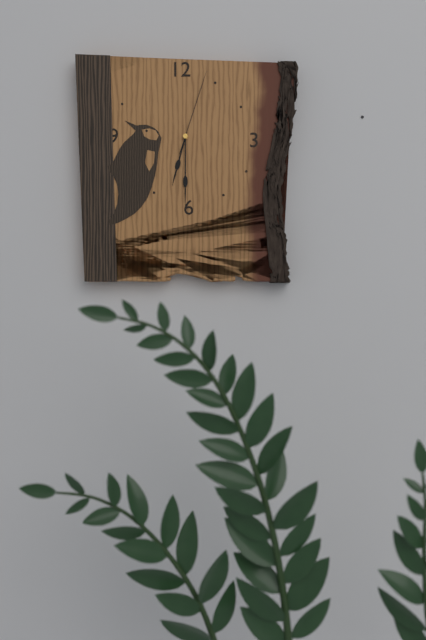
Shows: 6h30m03s
